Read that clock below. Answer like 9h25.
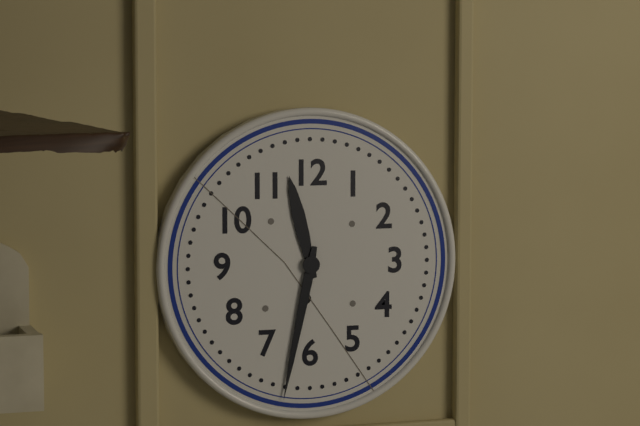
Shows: 11h32
